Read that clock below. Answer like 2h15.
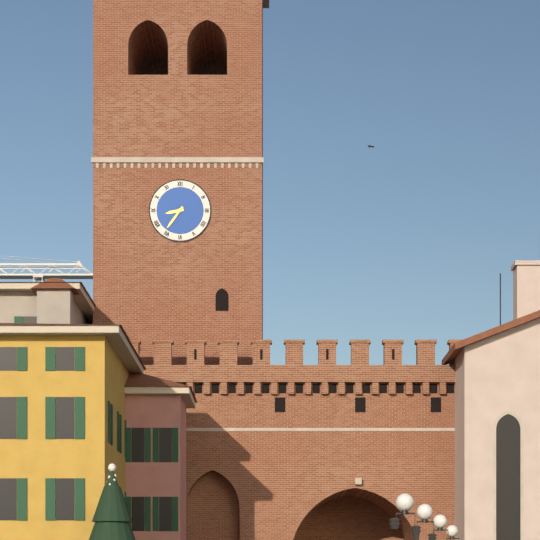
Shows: 8h36
